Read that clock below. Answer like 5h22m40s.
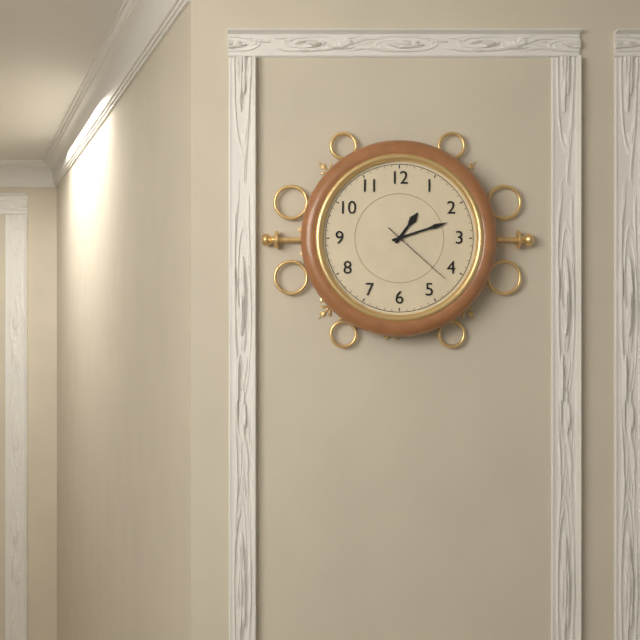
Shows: 1h12m22s
